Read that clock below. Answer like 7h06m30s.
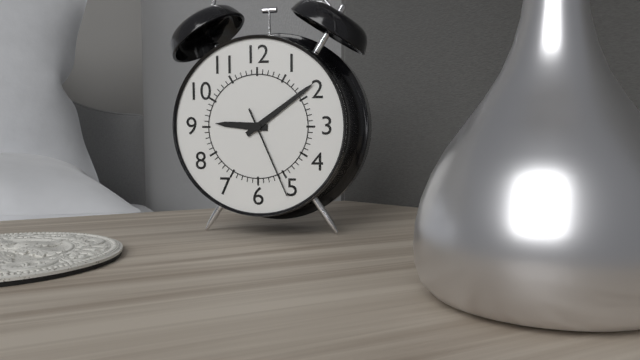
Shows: 9h09m26s
